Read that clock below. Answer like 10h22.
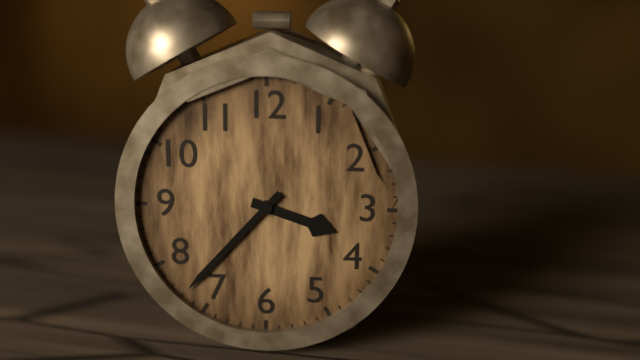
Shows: 3h37
